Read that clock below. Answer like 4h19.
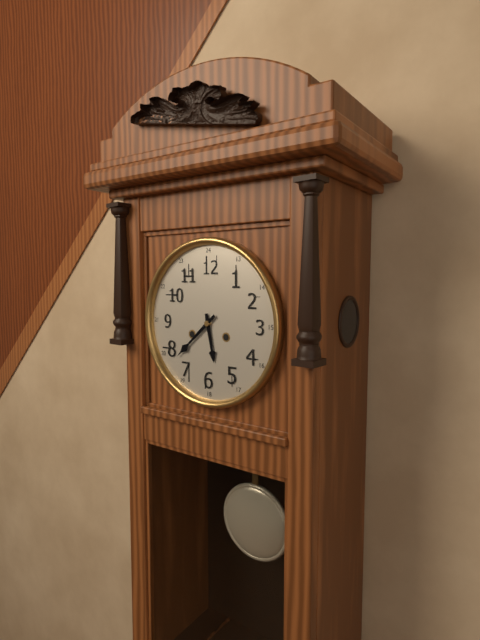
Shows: 5h38
